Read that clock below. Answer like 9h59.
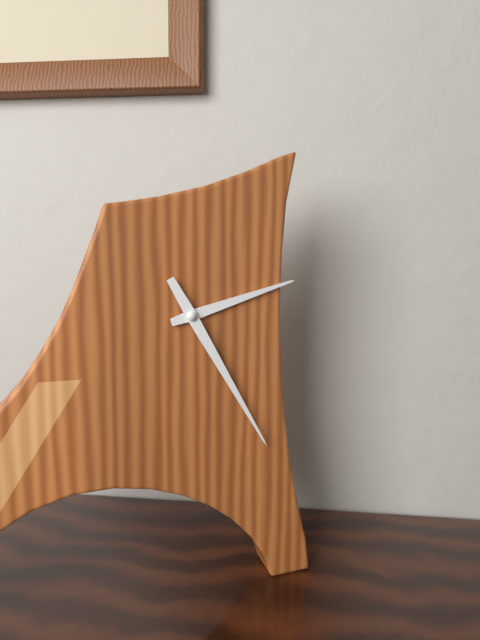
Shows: 2h25
